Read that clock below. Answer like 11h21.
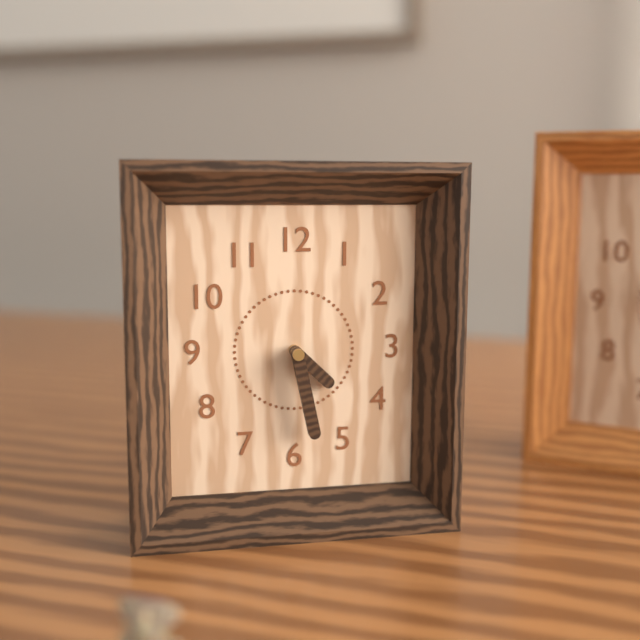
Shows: 4h28
